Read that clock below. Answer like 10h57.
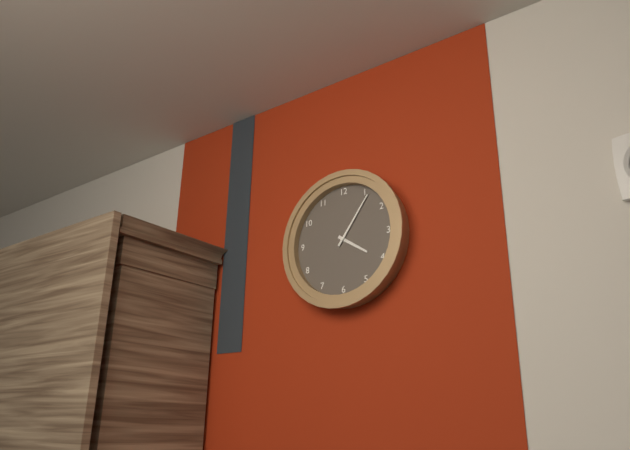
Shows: 4h06
